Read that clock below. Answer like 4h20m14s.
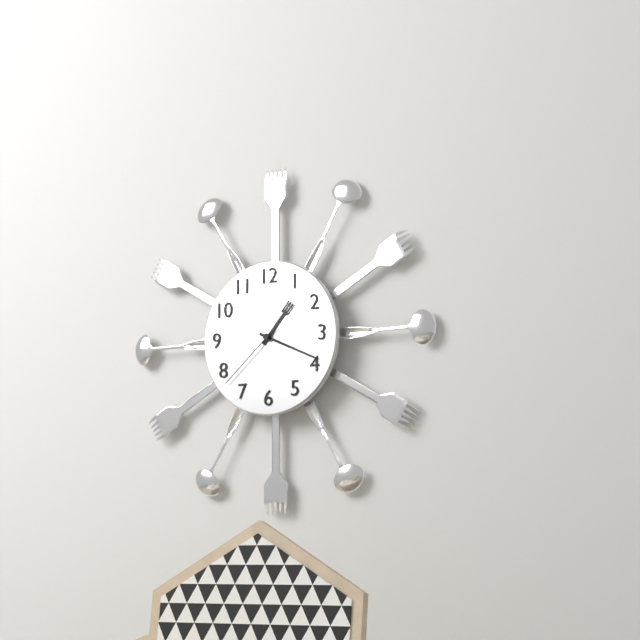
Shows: 1h19m38s
